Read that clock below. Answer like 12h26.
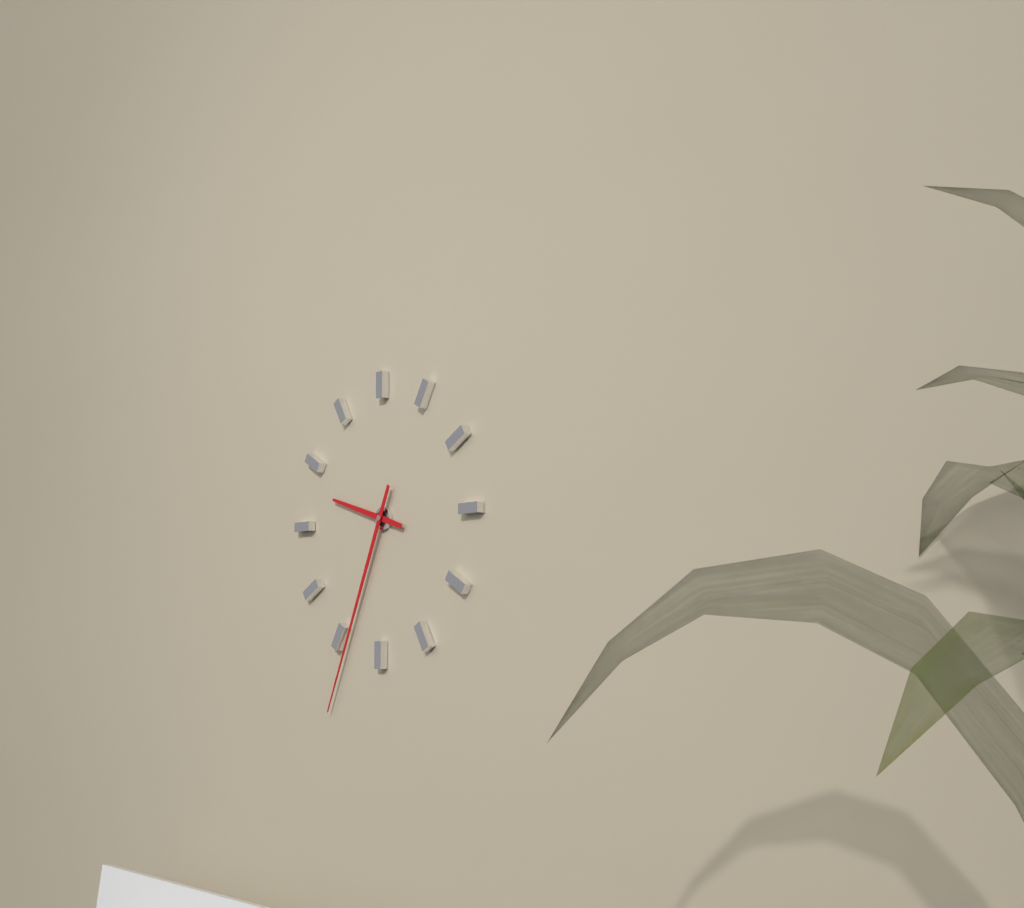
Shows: 9h34
